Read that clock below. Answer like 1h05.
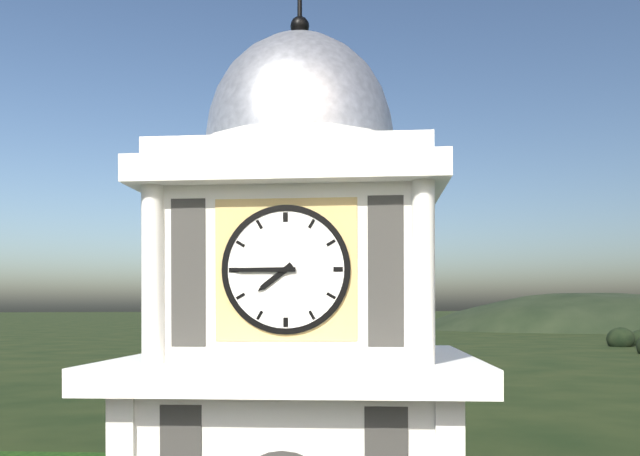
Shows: 7h45
